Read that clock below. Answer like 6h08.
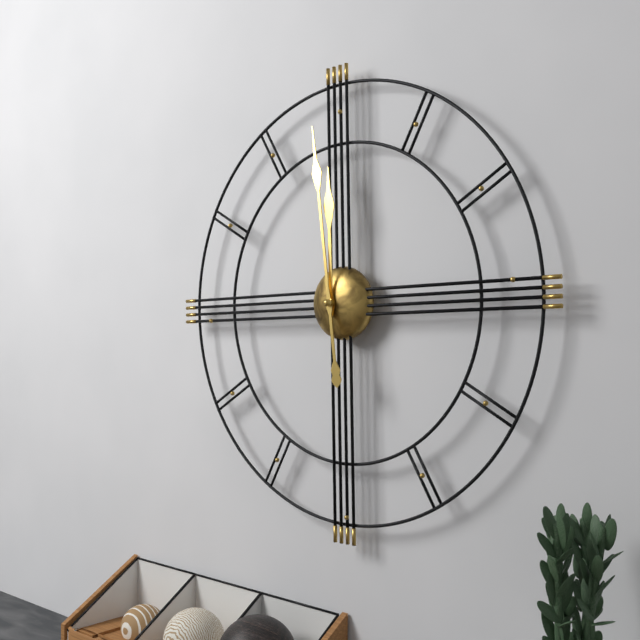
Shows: 11h59
